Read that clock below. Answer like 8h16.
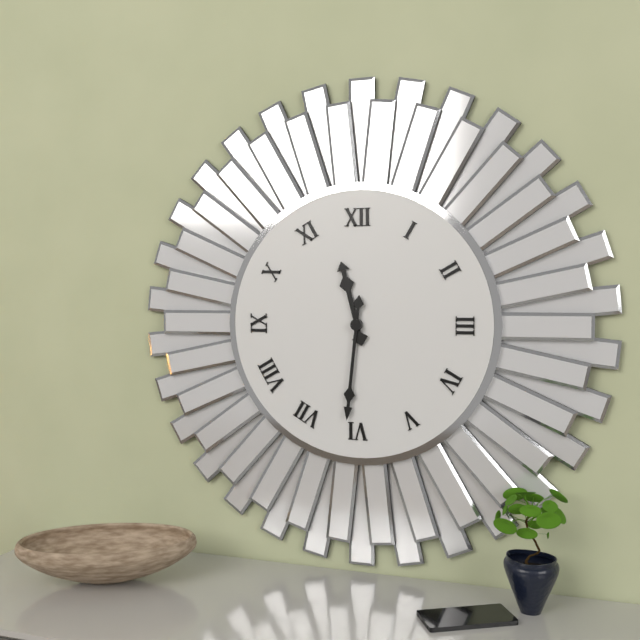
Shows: 11h31
